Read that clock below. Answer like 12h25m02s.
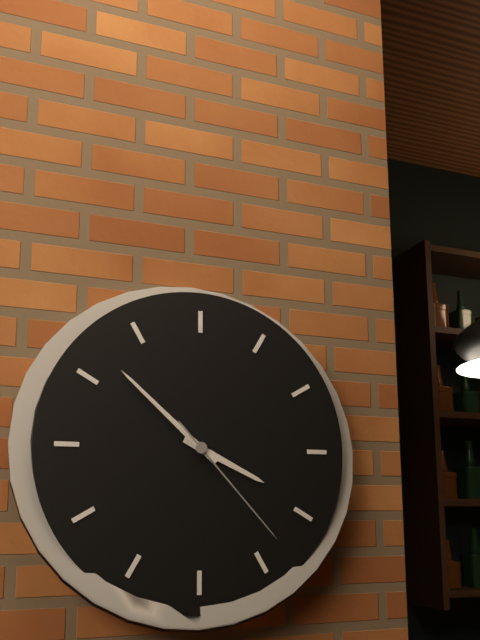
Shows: 3h52m23s
